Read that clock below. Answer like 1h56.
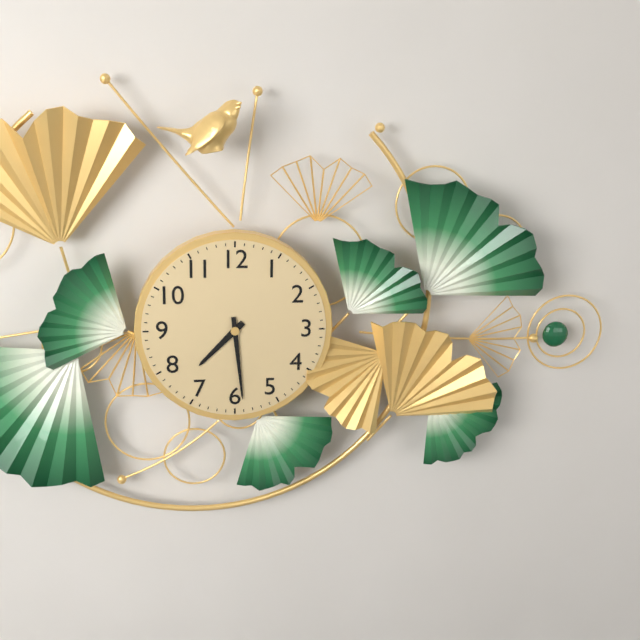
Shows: 7h29
